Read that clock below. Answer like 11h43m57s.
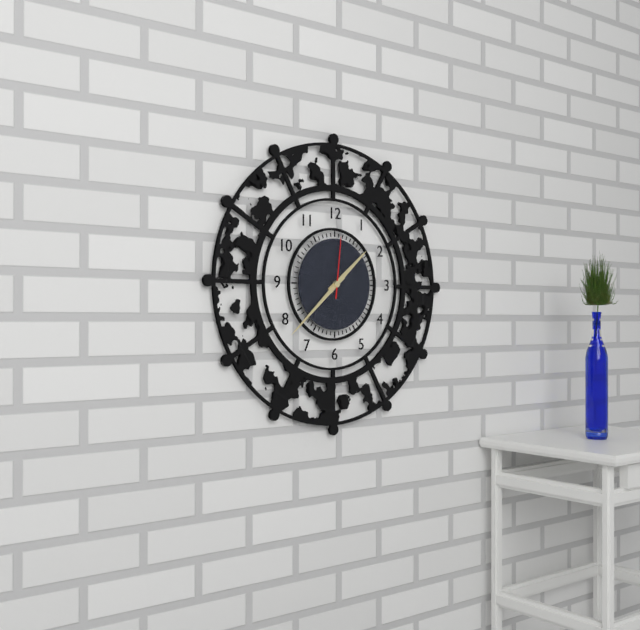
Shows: 1h38m01s
